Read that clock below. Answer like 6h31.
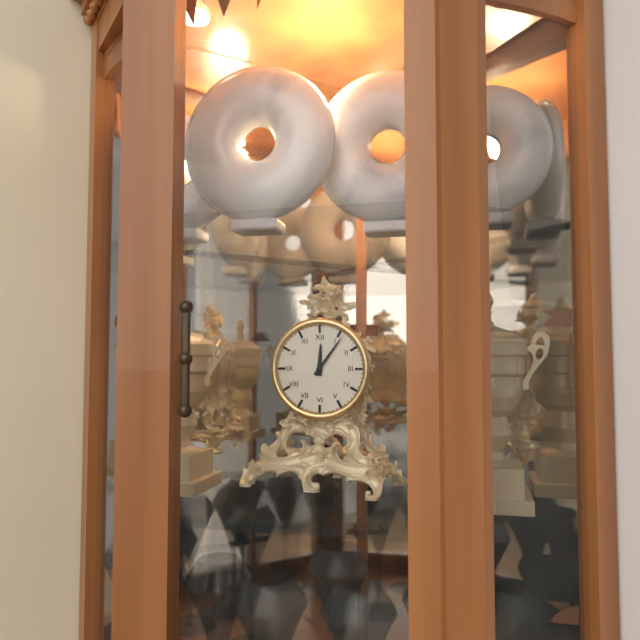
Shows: 12h06
